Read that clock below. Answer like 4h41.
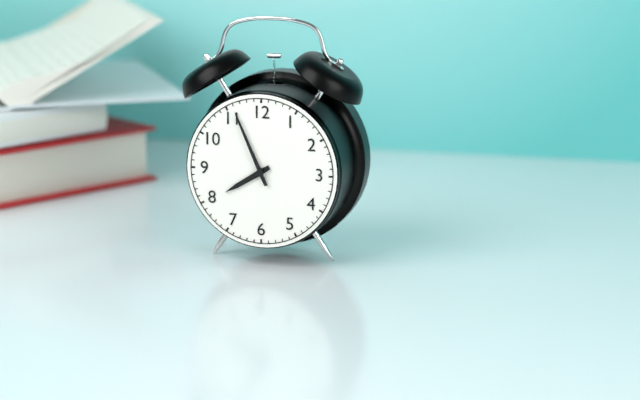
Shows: 7h56
